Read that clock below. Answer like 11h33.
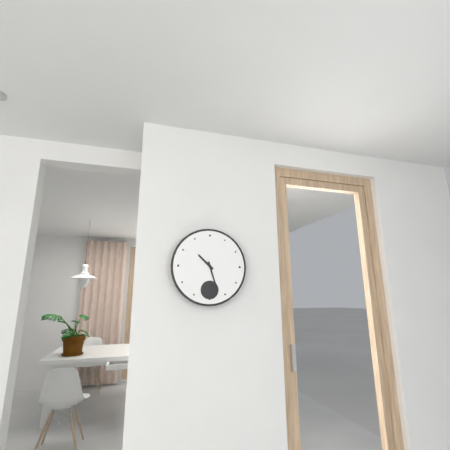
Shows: 10h27
